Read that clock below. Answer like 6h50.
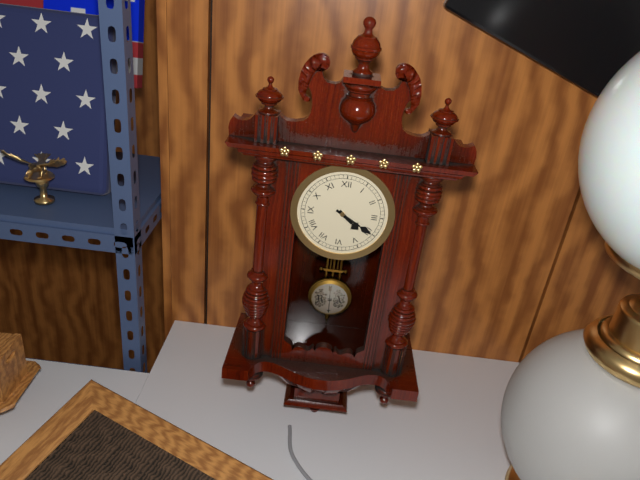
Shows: 4h20
